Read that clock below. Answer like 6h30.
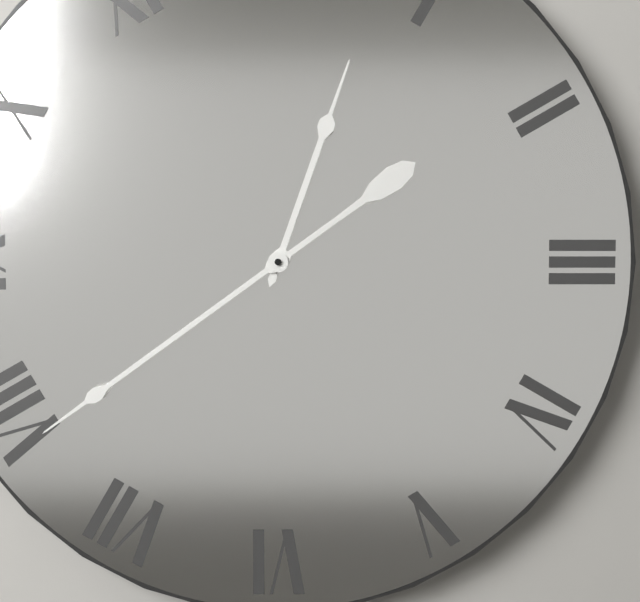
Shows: 12h39
